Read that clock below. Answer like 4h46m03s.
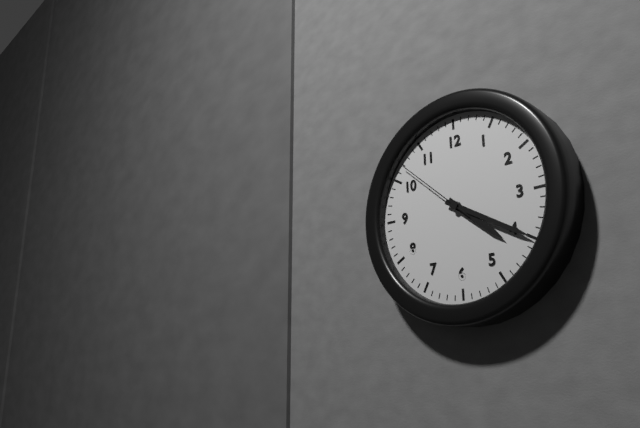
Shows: 4h20m52s
